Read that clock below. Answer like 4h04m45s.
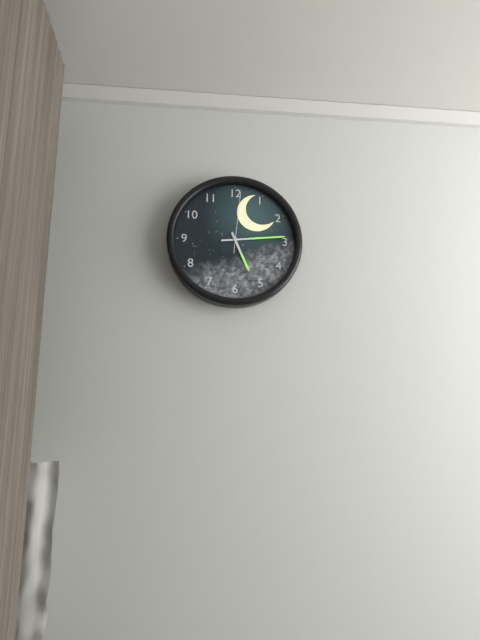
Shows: 5h14m01s
